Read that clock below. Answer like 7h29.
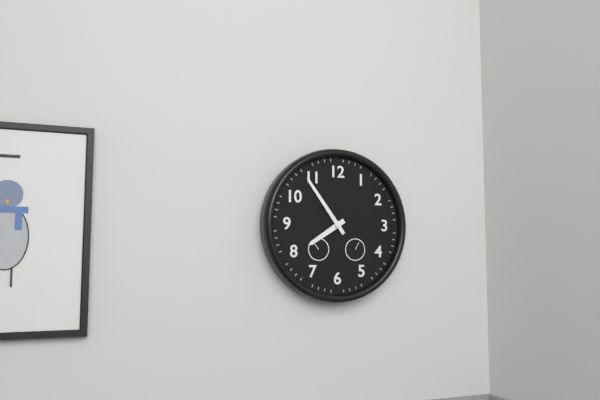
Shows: 7h54
